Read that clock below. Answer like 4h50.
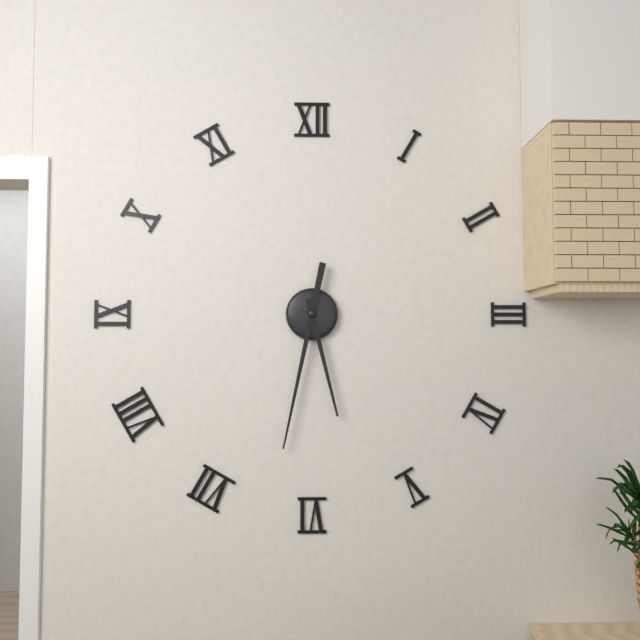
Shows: 5h32
